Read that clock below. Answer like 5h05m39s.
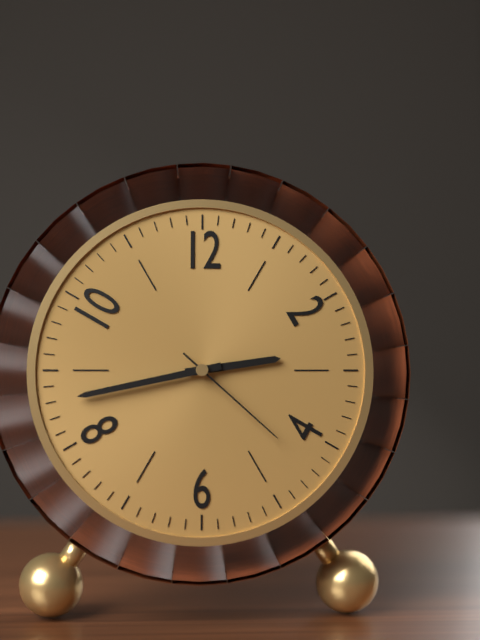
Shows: 2h43m22s
